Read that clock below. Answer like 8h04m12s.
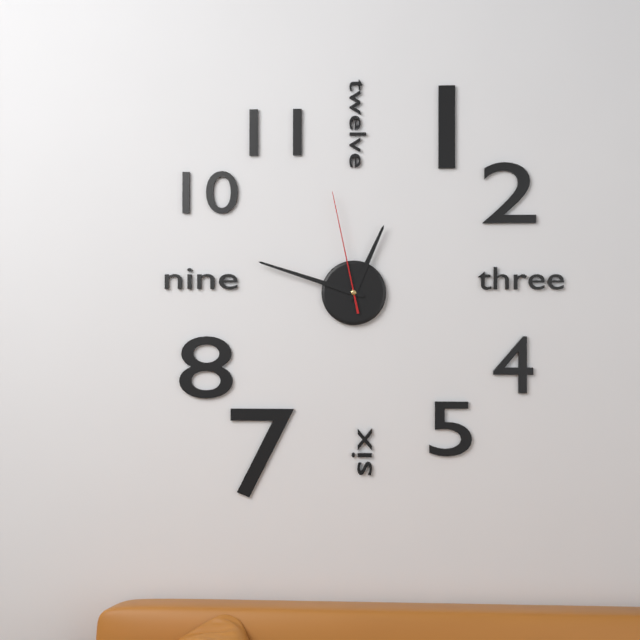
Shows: 12h48m58s
